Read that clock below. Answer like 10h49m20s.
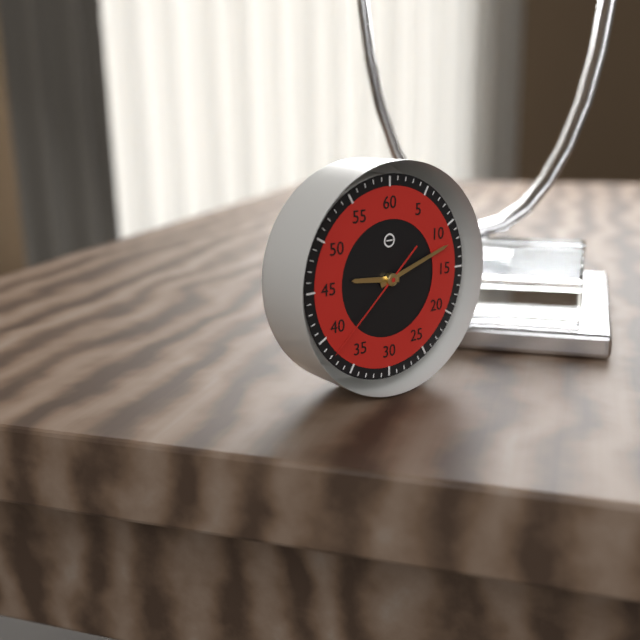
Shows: 9h12m38s
